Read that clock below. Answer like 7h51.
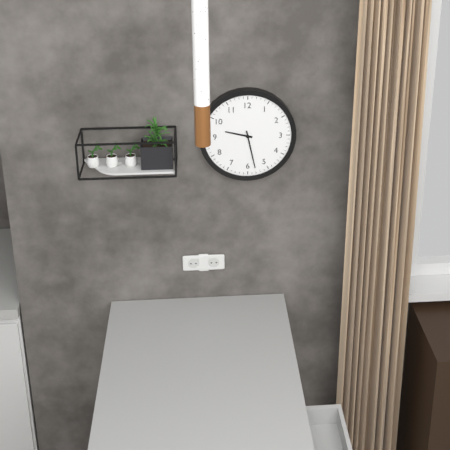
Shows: 9h28
